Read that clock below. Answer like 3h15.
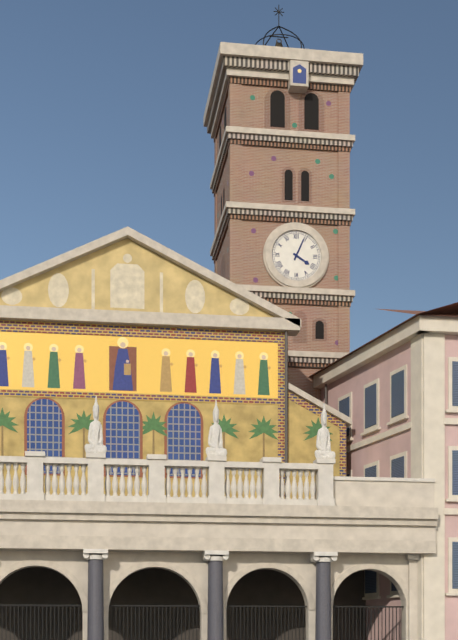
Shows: 4h04
